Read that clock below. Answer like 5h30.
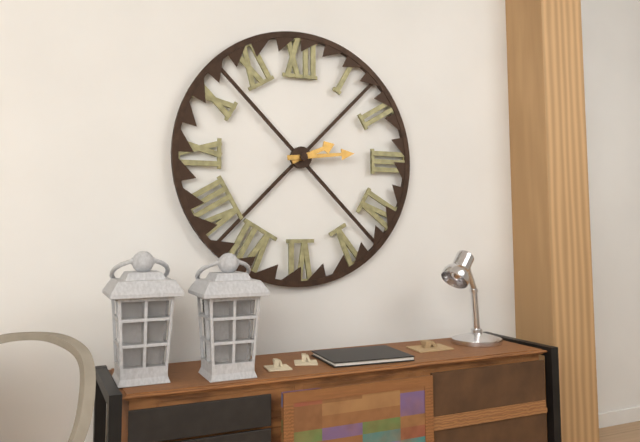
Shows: 2h14
